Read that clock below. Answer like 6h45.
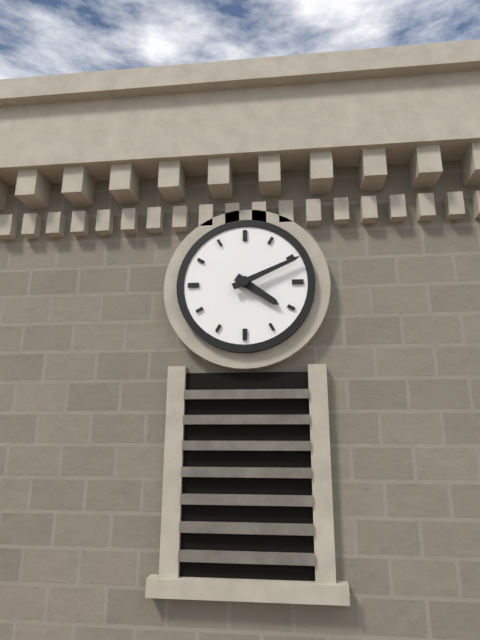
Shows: 4h11
